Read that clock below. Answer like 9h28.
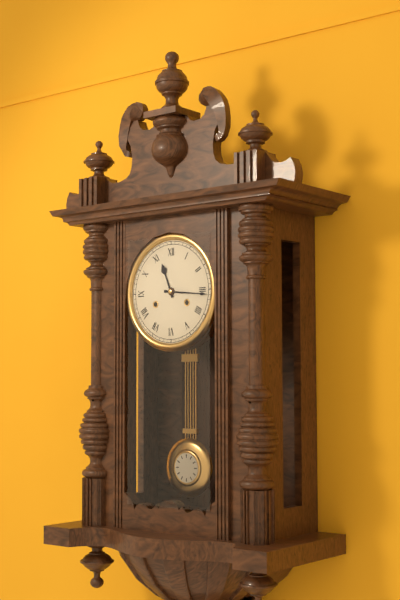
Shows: 11h16
